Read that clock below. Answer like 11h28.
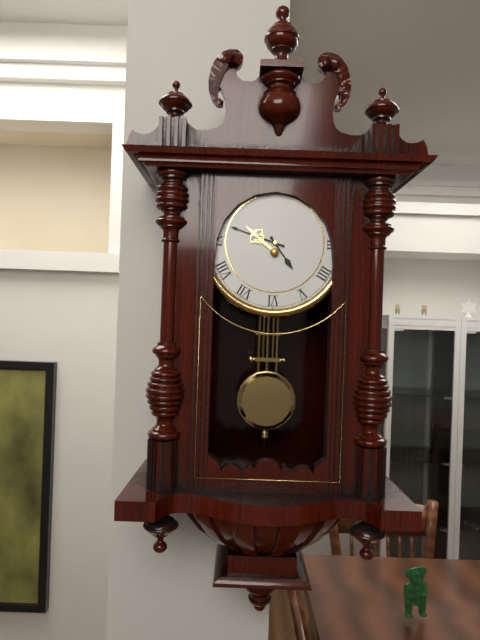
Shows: 4h48
